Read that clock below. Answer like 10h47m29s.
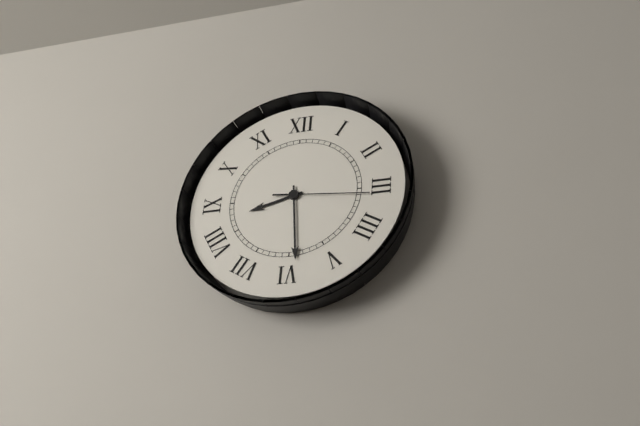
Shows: 8h29m16s
